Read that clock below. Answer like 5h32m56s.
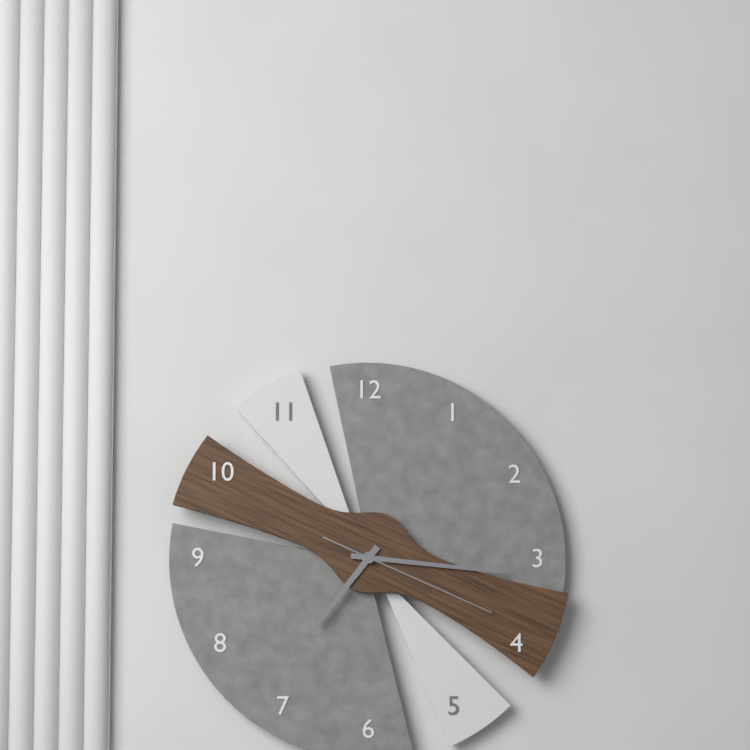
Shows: 7h16m19s
